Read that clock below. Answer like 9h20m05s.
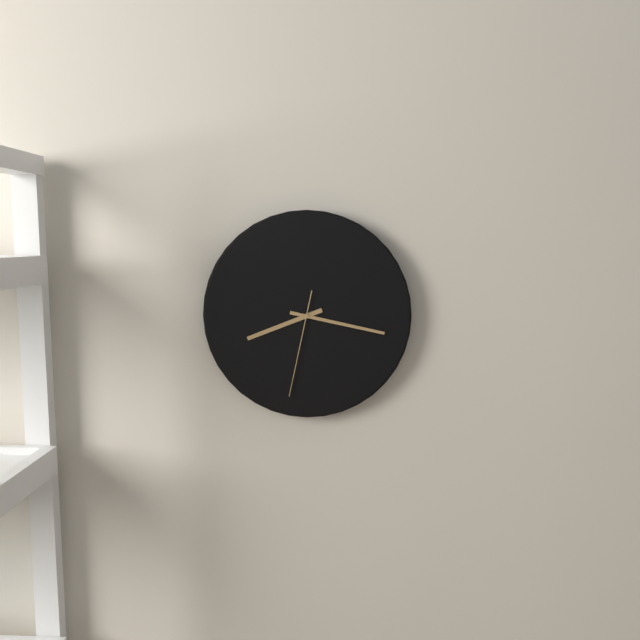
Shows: 8h17m32s
